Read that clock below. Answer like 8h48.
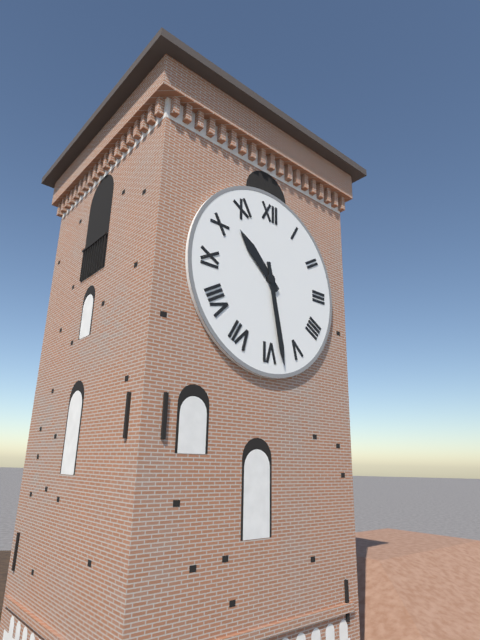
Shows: 10h28
